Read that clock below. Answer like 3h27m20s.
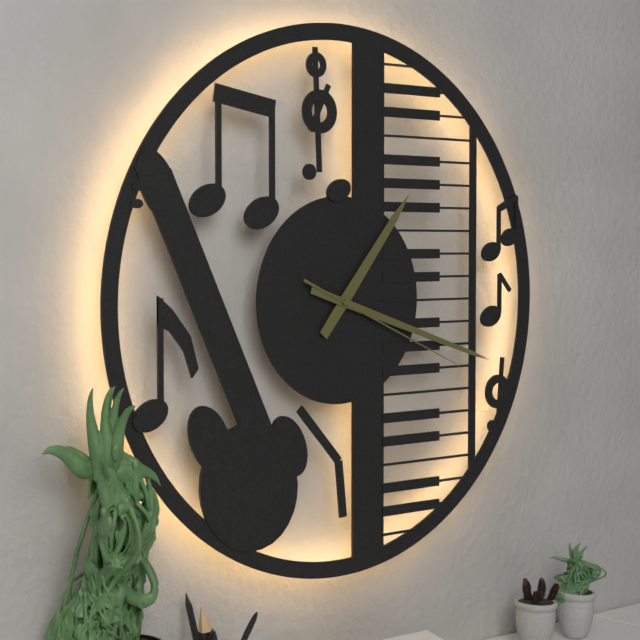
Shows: 1h18m19s
